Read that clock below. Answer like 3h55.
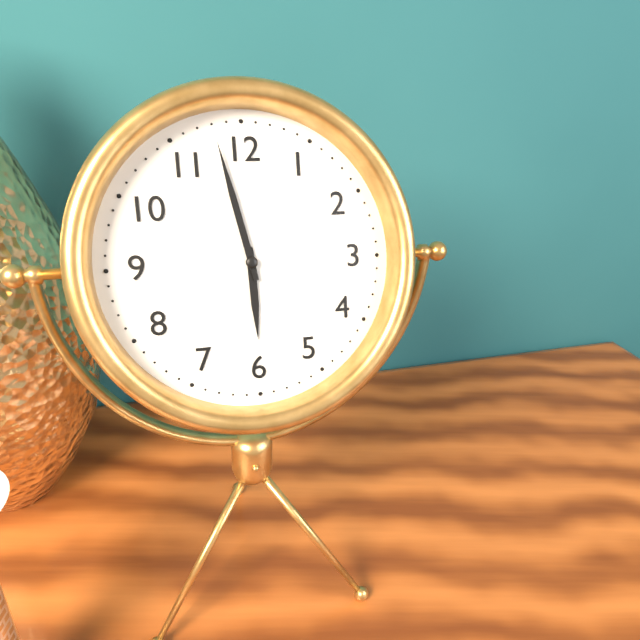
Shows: 5h58
